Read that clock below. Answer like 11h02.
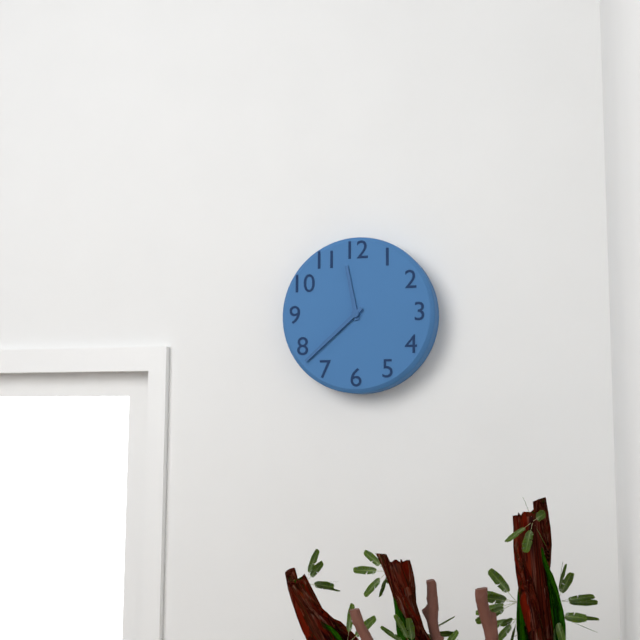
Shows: 11h38
